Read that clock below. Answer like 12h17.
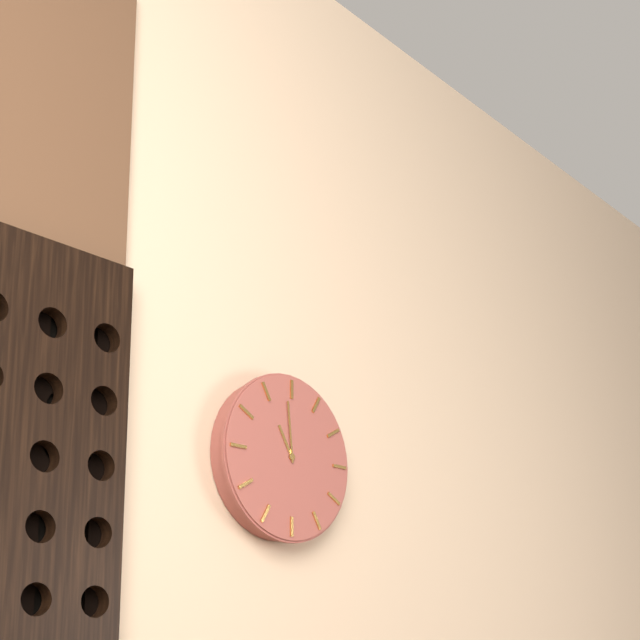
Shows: 10h59
